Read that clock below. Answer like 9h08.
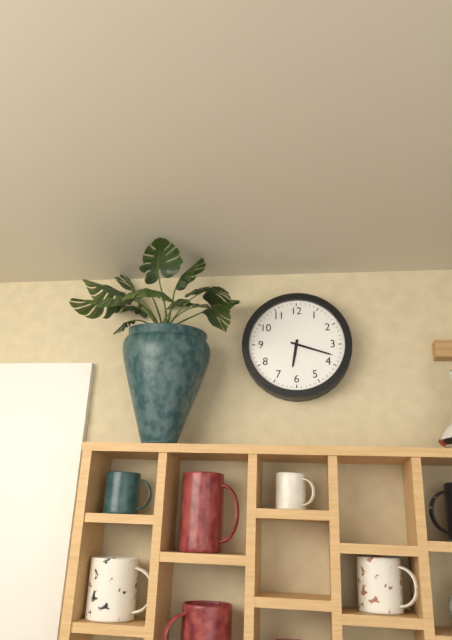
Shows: 6h18
